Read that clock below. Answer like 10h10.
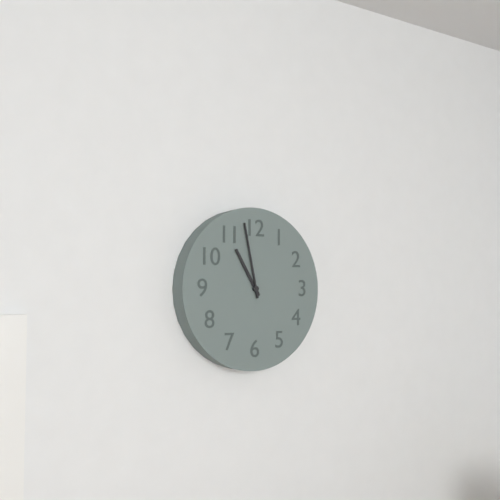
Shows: 10h58
